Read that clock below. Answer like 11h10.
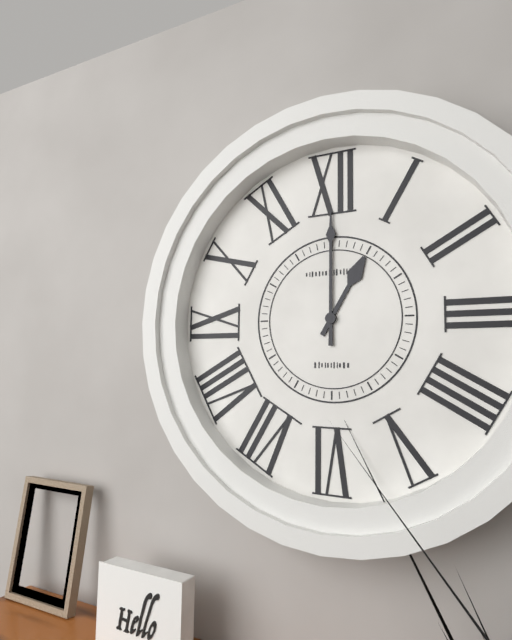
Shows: 1h00
